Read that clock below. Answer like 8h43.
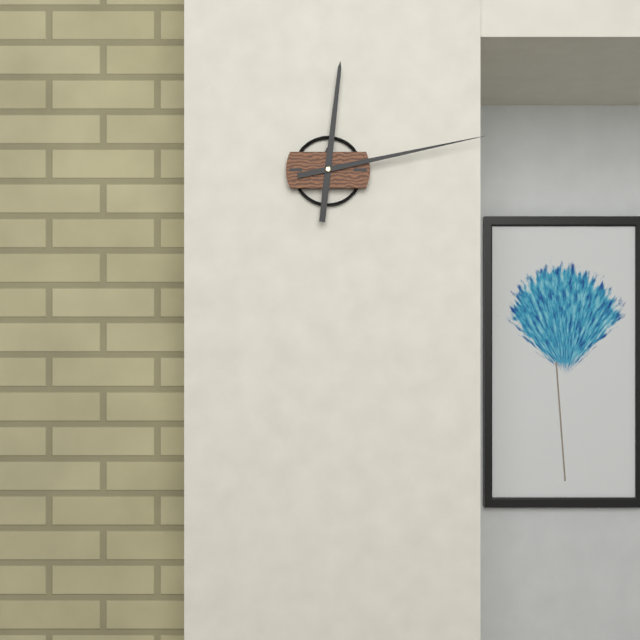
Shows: 12h13
